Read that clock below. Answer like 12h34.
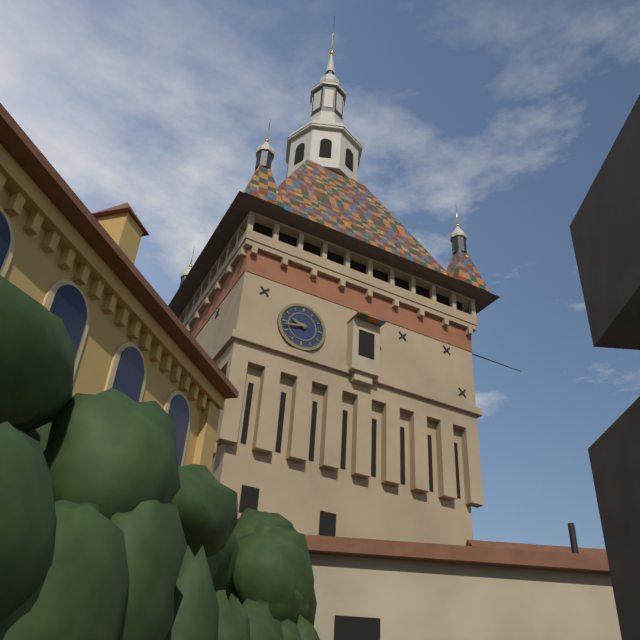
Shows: 9h43
